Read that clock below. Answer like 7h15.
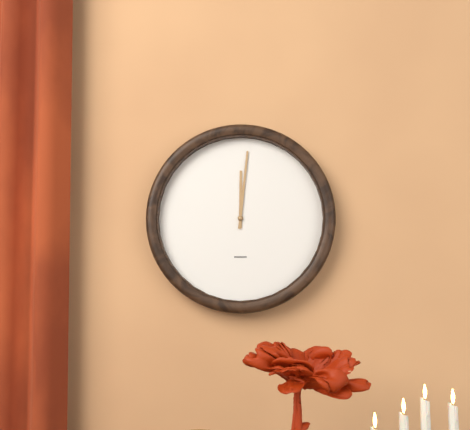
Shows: 12h01
